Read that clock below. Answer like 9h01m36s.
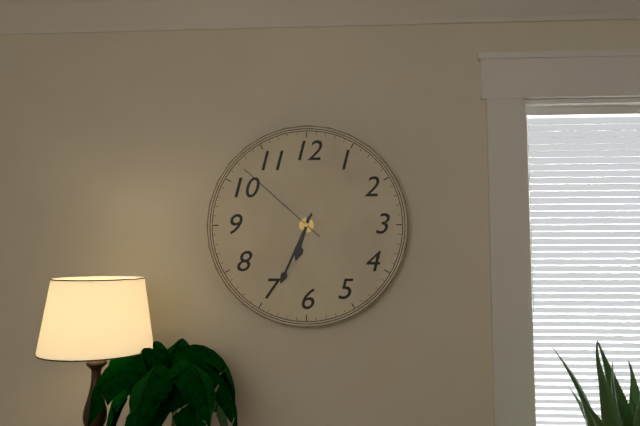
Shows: 6h34m52s
